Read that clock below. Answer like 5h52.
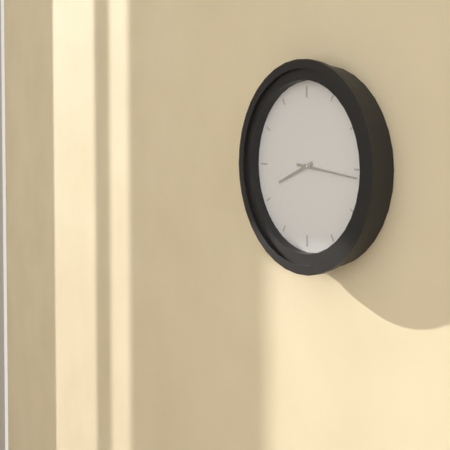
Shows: 8h16
